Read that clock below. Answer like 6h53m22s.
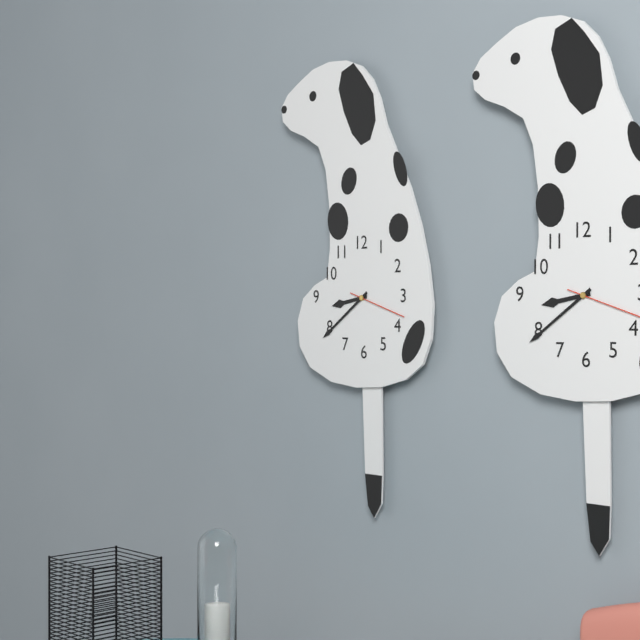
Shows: 8h39m18s
